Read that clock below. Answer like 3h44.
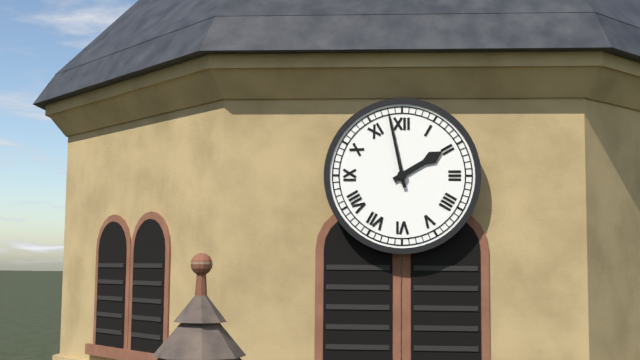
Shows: 1h58
